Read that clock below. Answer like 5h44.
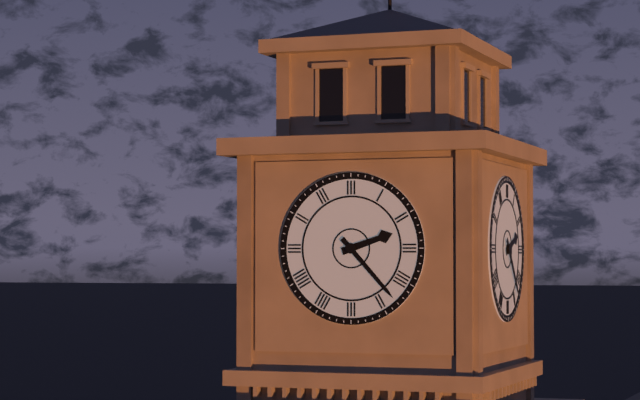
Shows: 2h23
